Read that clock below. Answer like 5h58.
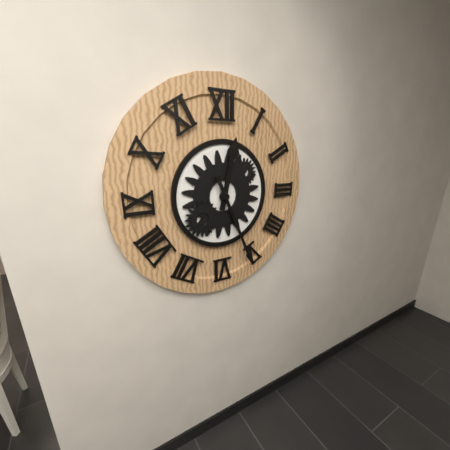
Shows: 12h26
